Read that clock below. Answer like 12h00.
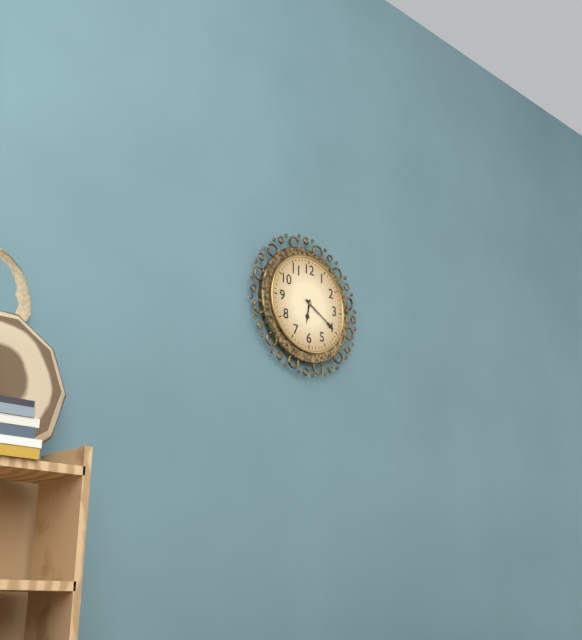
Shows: 6h20
